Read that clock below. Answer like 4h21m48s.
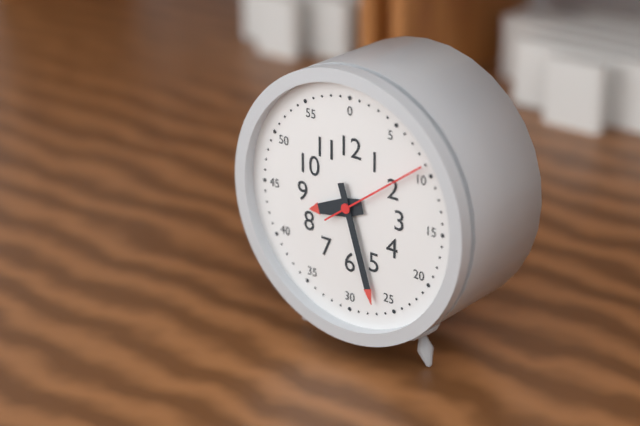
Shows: 8h27m09s
